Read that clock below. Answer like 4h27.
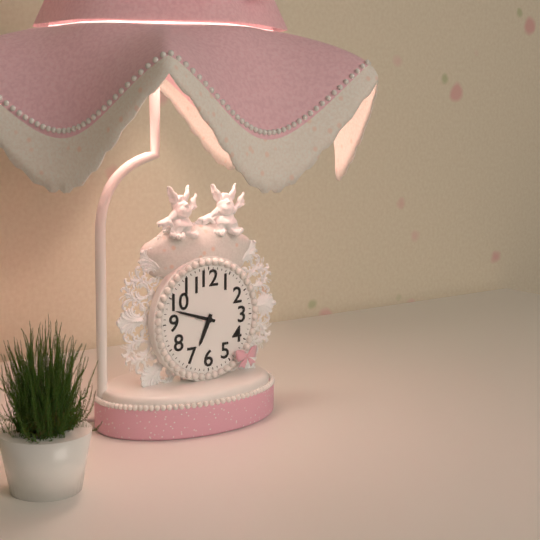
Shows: 6h48
